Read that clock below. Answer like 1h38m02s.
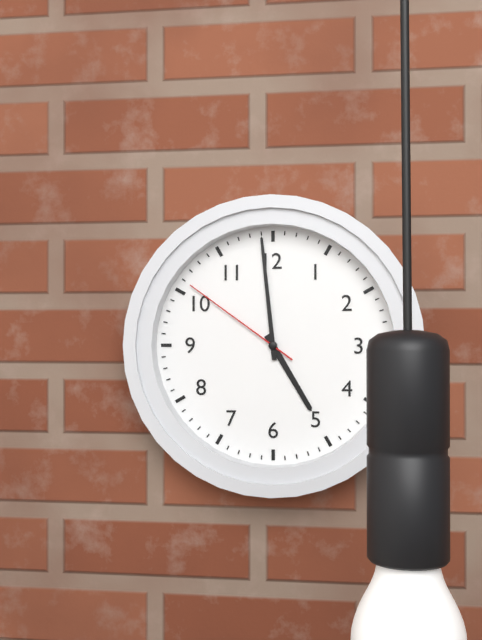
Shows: 4h59m51s
